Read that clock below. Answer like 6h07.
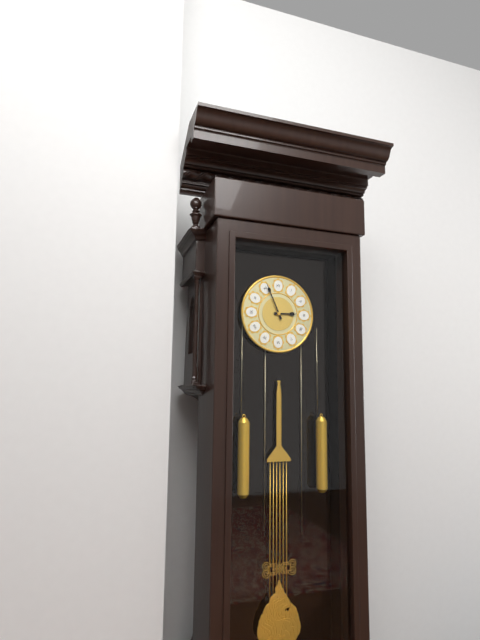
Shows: 2h56
